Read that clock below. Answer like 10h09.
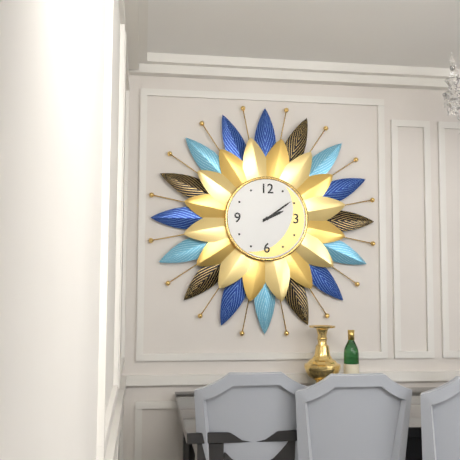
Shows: 2h09
